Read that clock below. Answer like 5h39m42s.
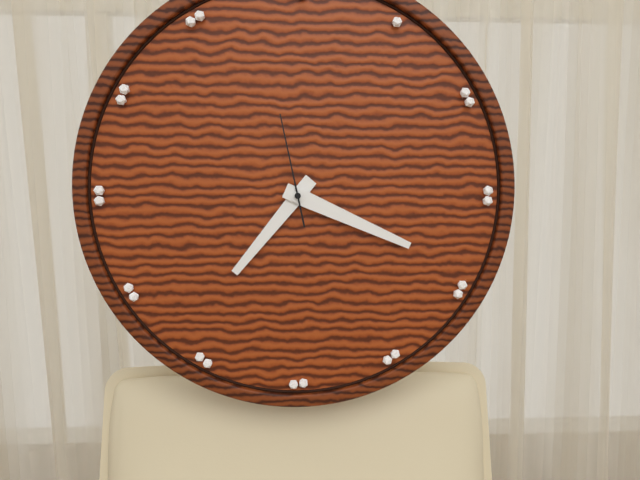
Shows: 7h19m58s
